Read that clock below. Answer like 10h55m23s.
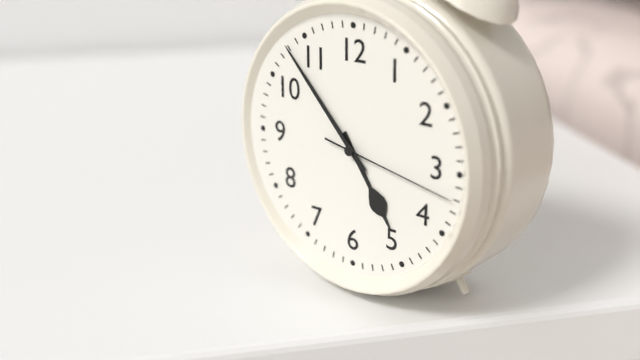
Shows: 4h53m17s
